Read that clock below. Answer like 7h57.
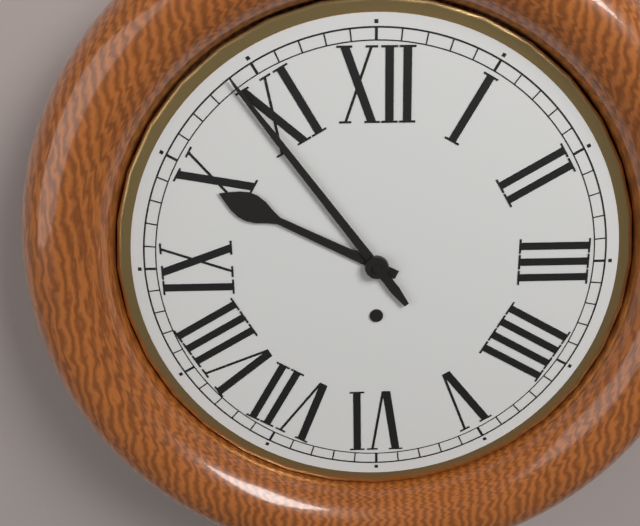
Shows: 9h54
